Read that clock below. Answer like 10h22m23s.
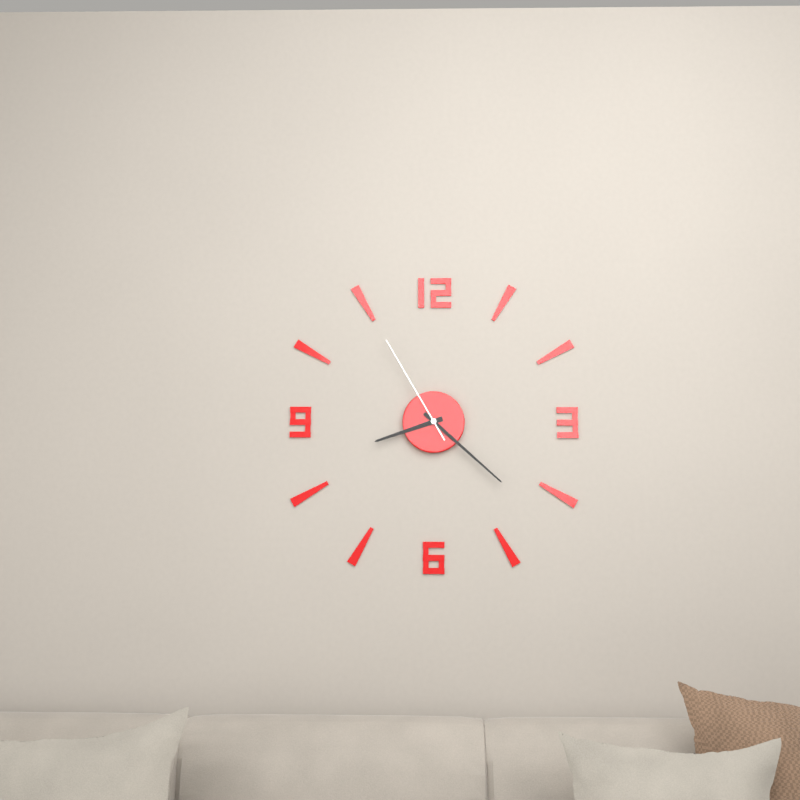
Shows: 8h22m55s
